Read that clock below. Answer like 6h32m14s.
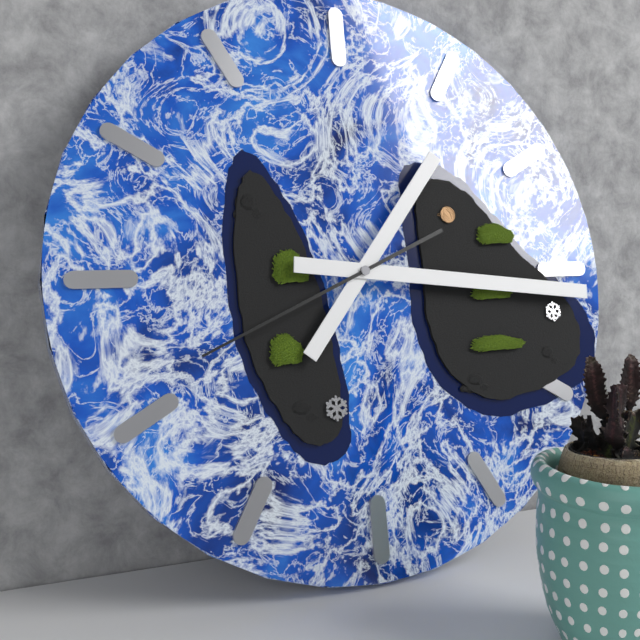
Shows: 1h16m41s
